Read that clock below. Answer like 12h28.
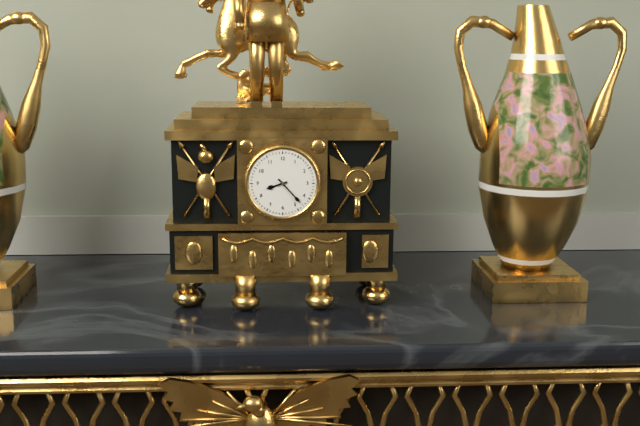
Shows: 8h23
